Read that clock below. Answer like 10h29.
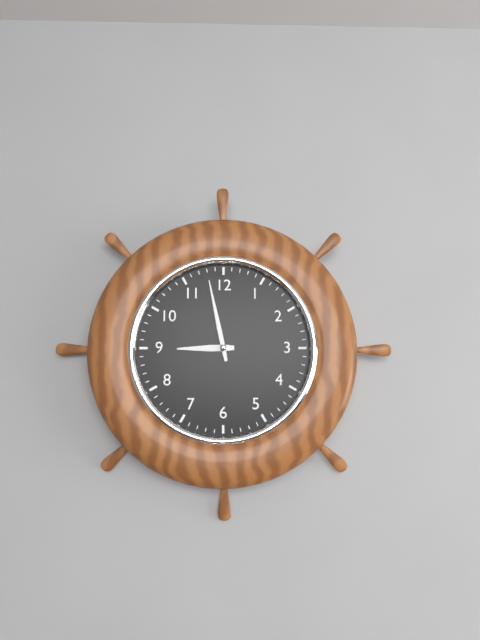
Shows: 8h58
